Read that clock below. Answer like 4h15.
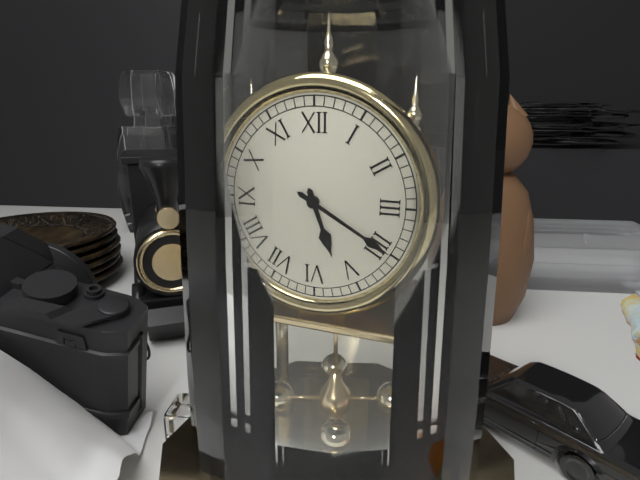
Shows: 5h20
